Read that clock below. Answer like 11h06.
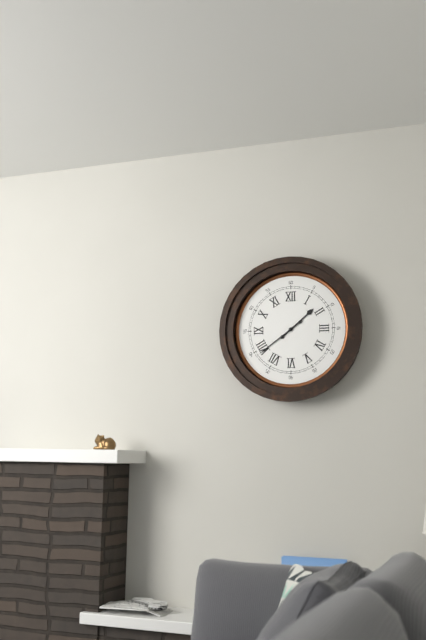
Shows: 1h39
